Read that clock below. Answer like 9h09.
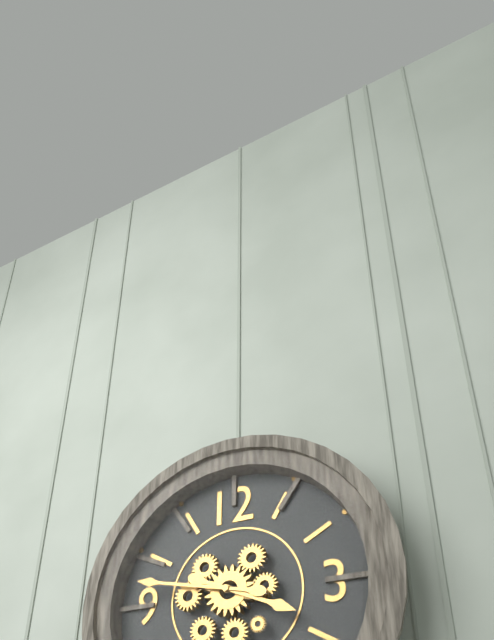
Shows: 3h47
